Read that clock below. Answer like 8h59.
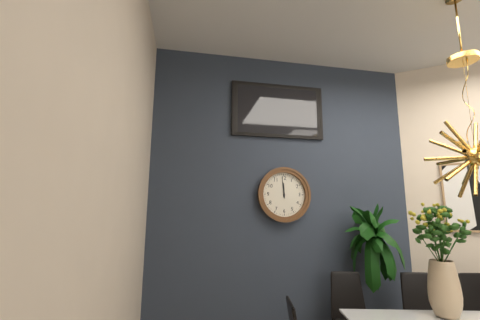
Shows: 11h59
